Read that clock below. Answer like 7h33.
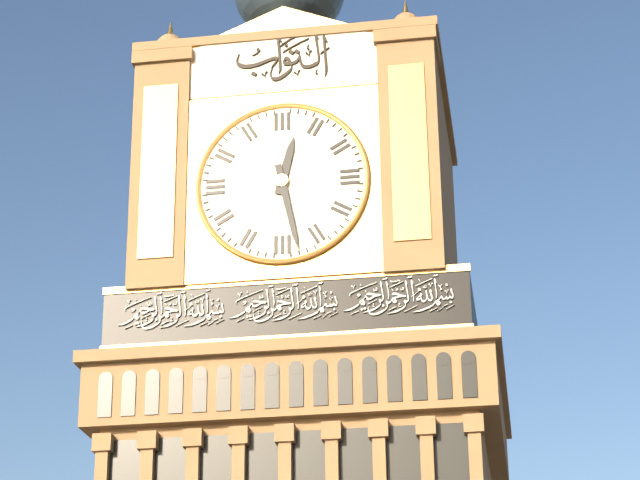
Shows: 12h28
